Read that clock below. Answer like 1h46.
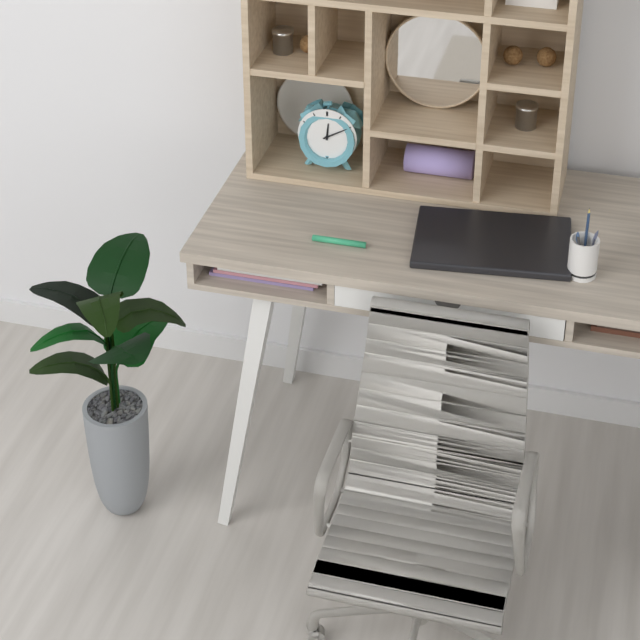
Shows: 12h10
